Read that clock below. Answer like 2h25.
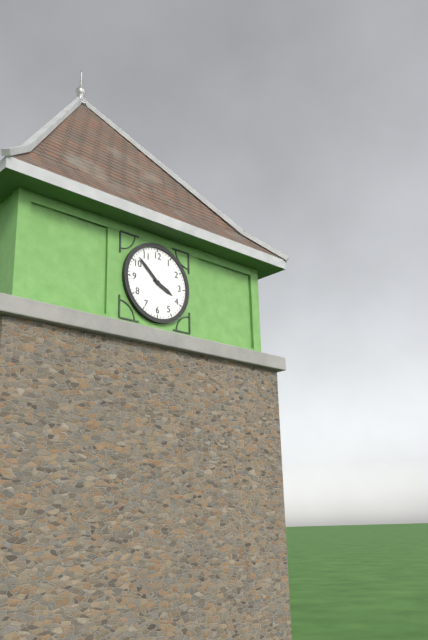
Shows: 3h52
